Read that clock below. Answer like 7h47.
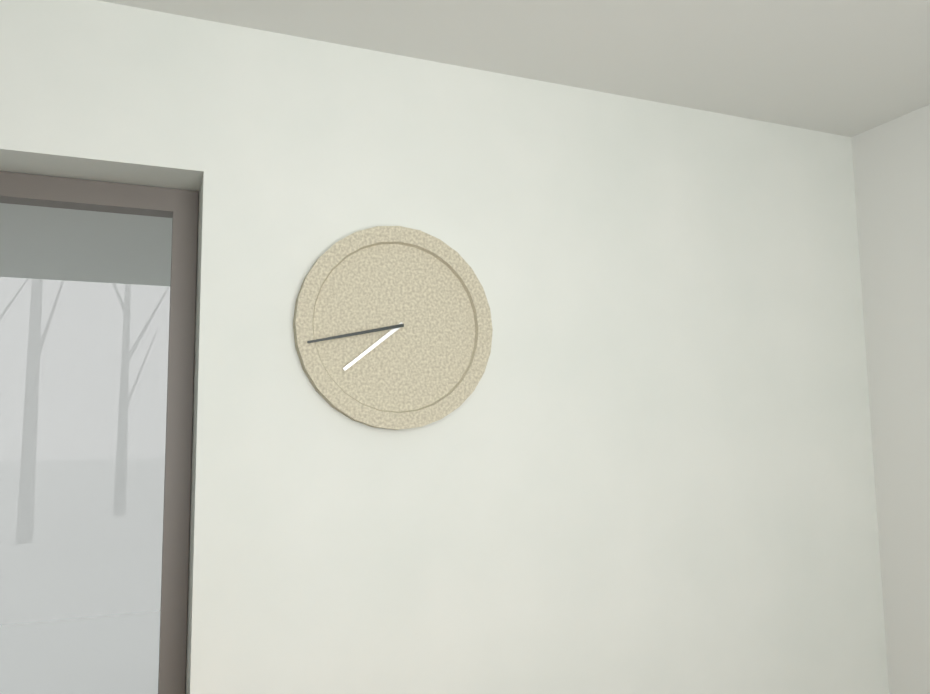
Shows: 7h43
